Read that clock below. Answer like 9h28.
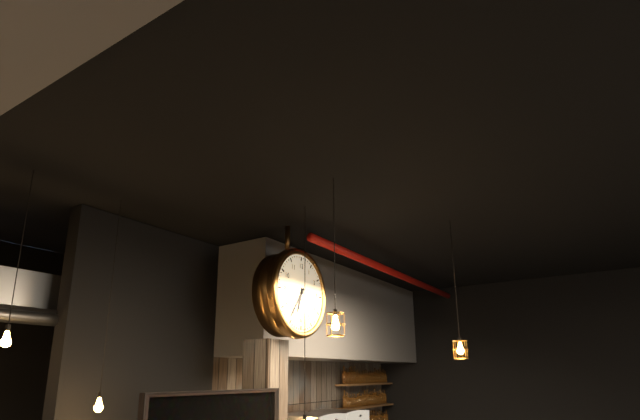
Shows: 6h36
